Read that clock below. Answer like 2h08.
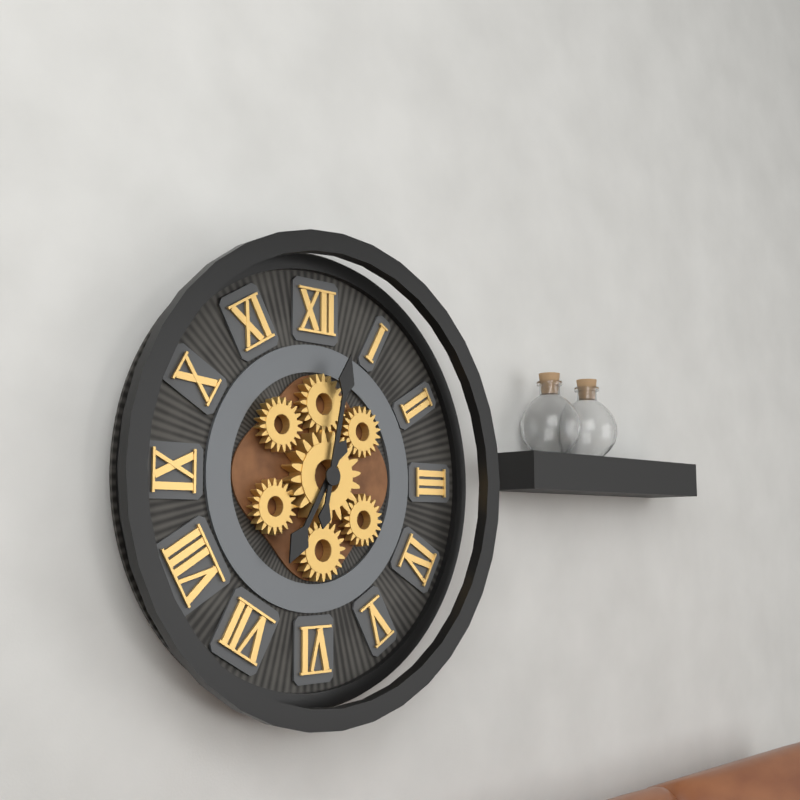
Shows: 7h02
